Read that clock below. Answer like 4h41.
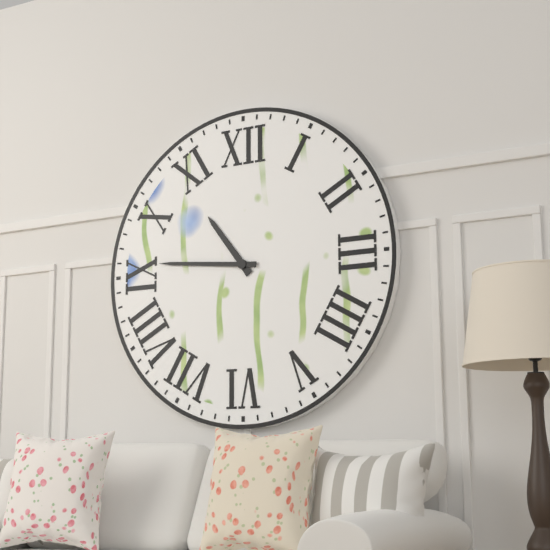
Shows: 10h46
